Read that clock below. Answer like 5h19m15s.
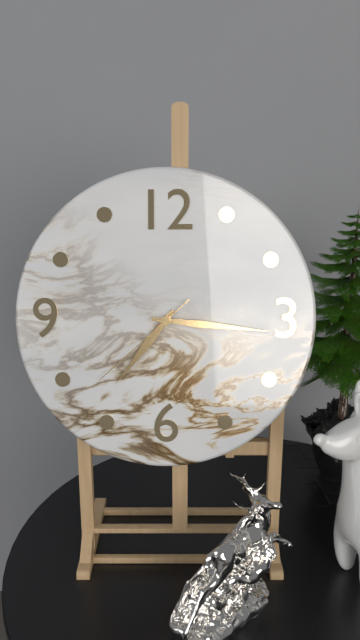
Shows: 7h16m38s
